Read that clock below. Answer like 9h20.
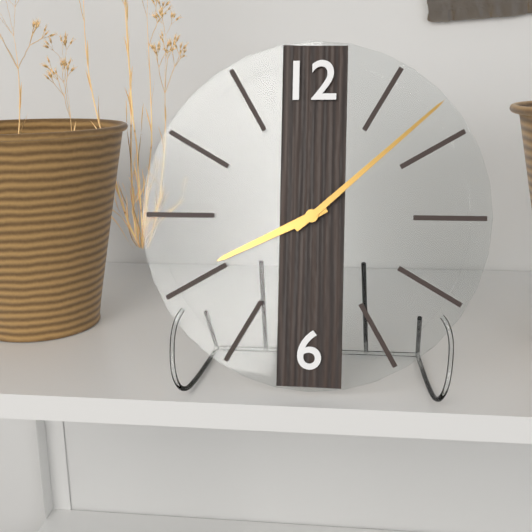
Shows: 8h08
